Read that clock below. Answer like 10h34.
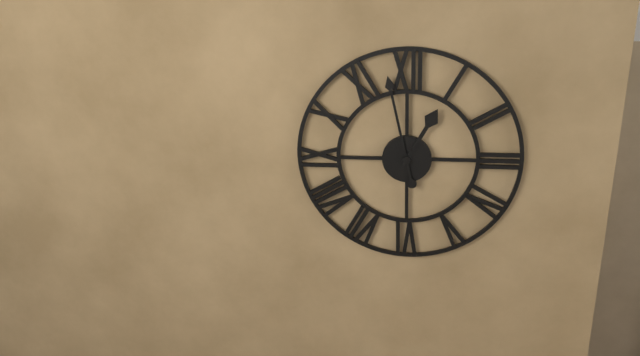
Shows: 12h58
